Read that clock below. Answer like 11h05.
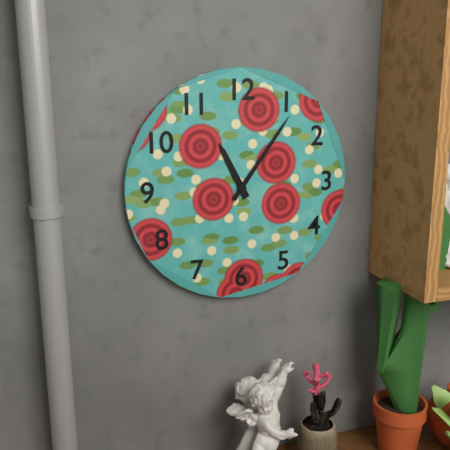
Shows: 11h06
